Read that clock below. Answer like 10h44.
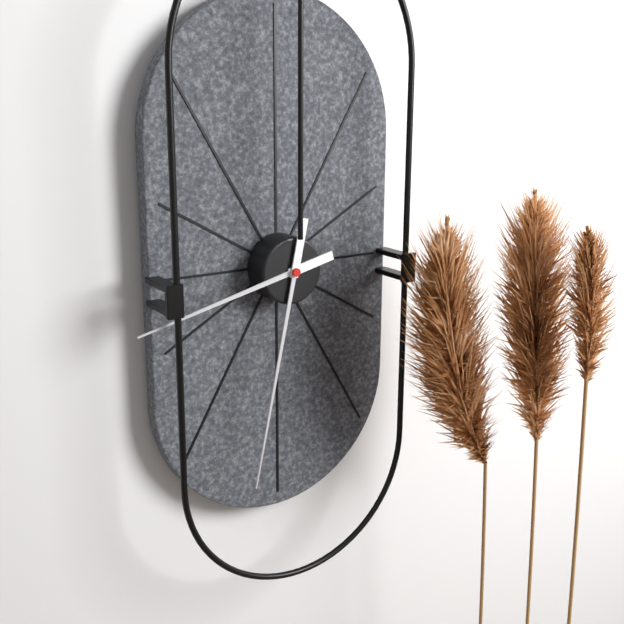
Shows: 8h32
